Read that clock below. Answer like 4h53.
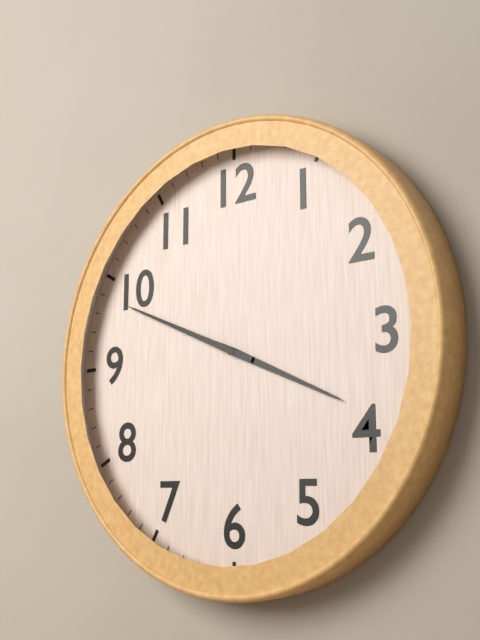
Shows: 3h49
